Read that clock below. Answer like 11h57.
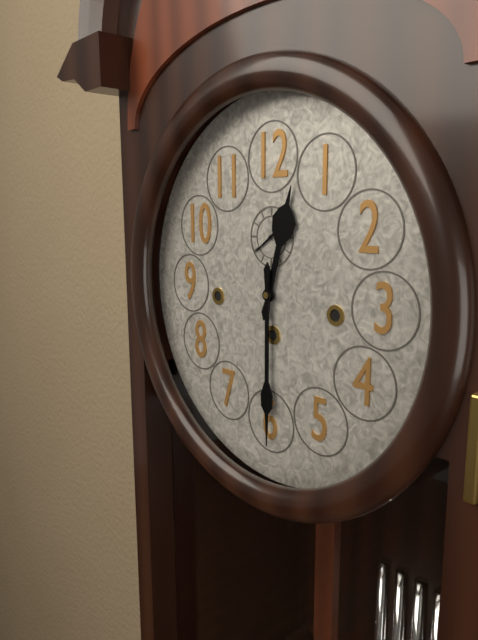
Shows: 12h30
